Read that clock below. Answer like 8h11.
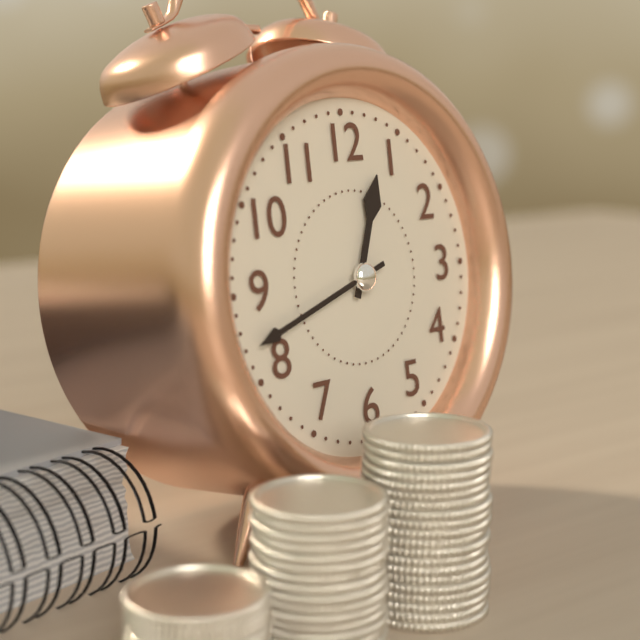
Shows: 12h42
